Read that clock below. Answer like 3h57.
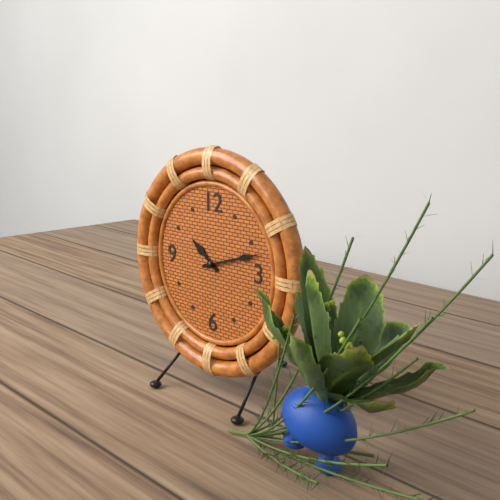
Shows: 10h12
